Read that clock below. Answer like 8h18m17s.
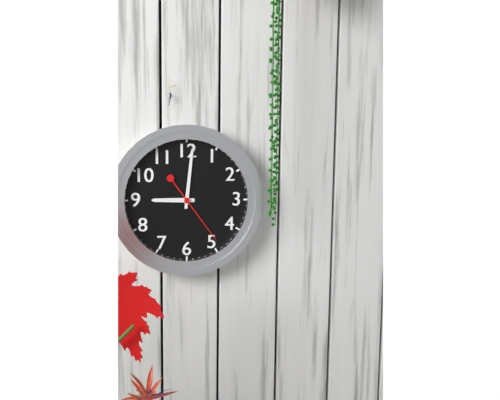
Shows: 9h01m24s
